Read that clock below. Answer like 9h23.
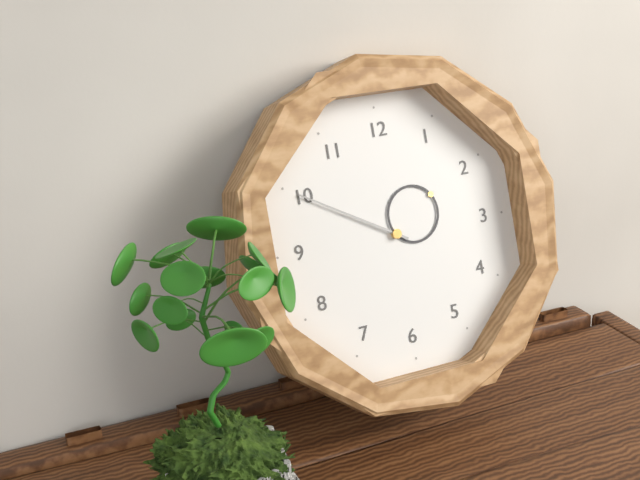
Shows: 1h50
